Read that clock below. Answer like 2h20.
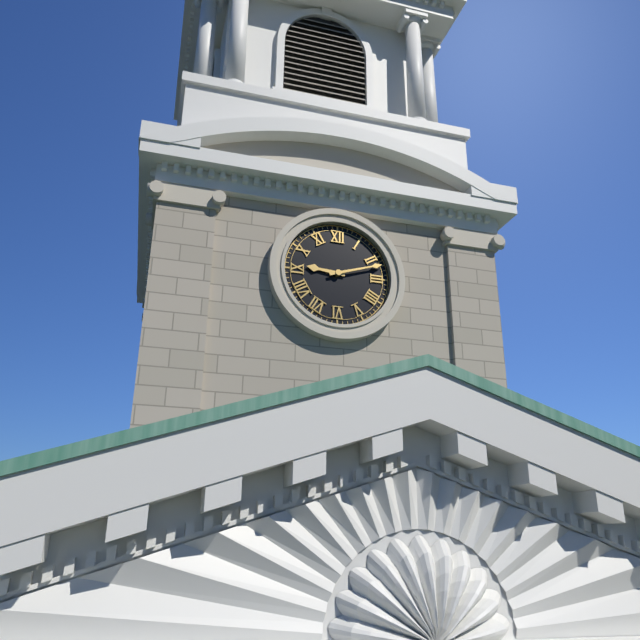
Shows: 9h12
